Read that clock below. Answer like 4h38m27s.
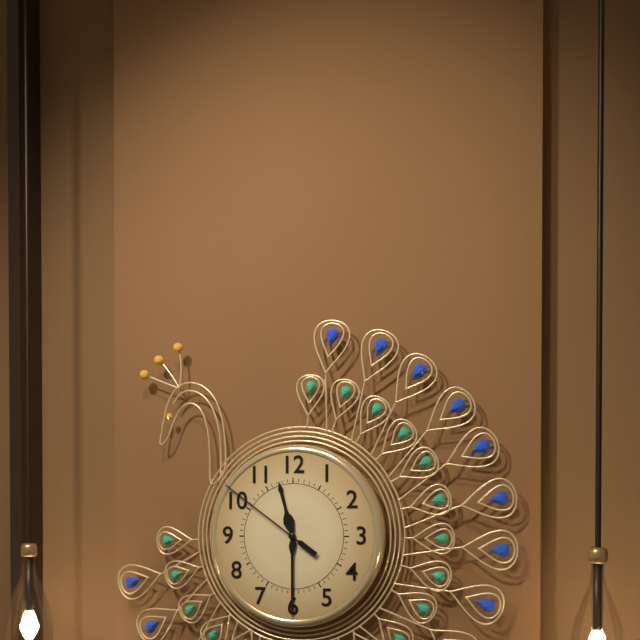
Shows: 11h30m51s
